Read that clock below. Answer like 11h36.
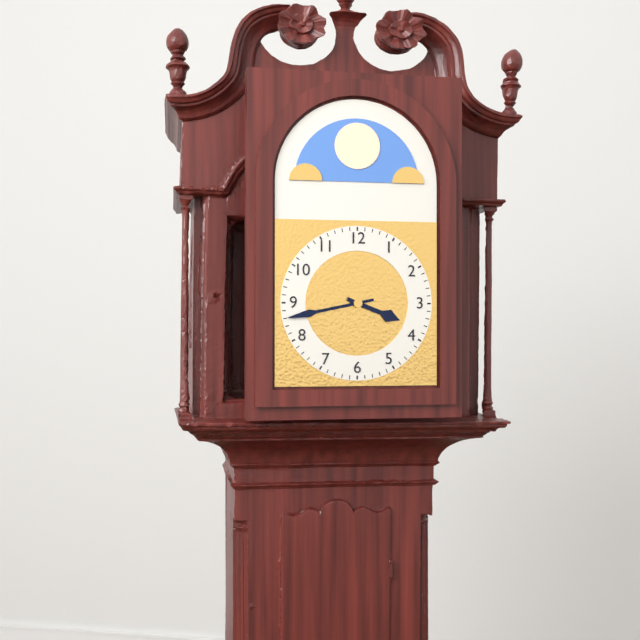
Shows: 3h43
